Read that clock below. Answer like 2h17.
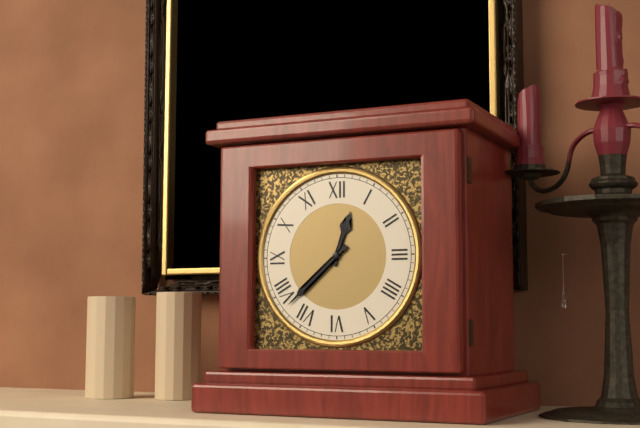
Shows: 12h38
